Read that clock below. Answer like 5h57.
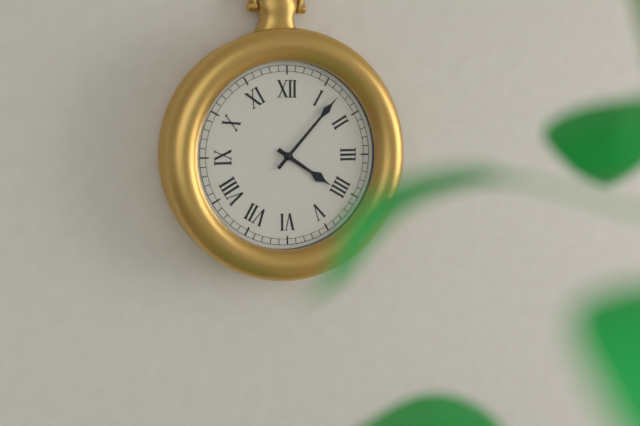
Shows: 4h07
